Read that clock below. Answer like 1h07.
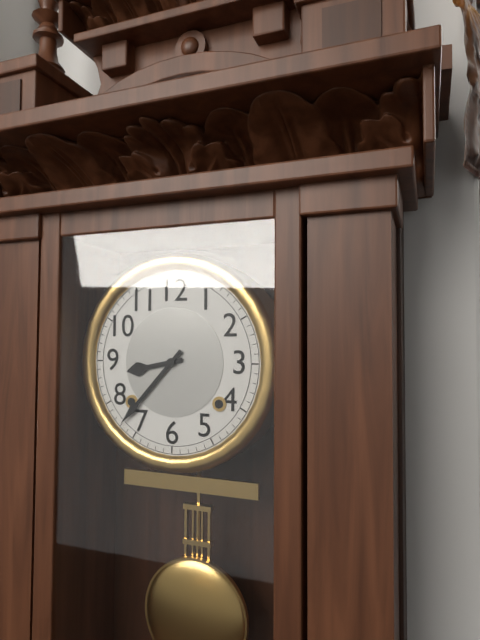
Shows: 8h37
